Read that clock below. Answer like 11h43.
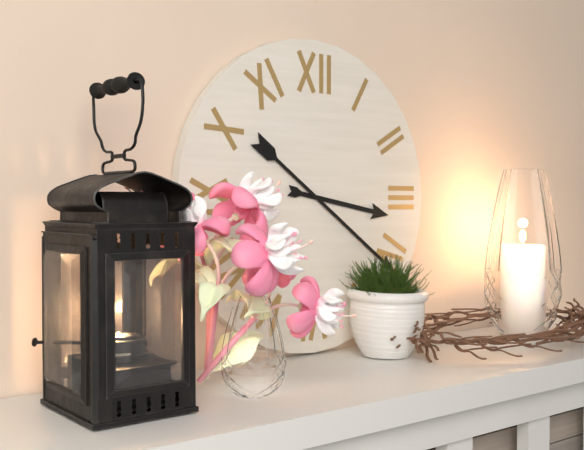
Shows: 3h21
